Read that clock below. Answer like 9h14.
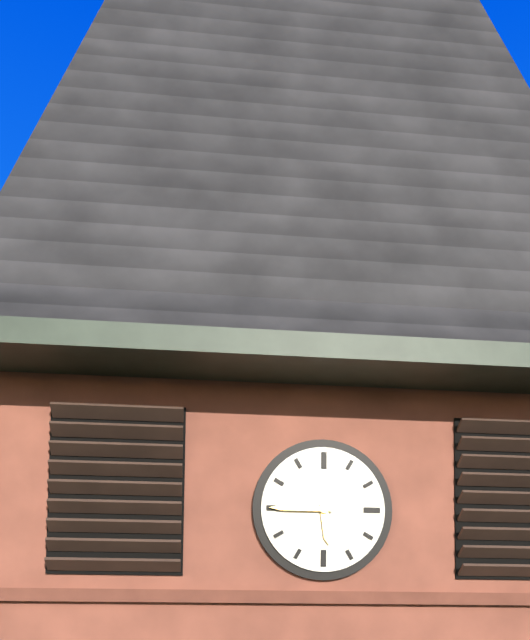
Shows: 5h45
